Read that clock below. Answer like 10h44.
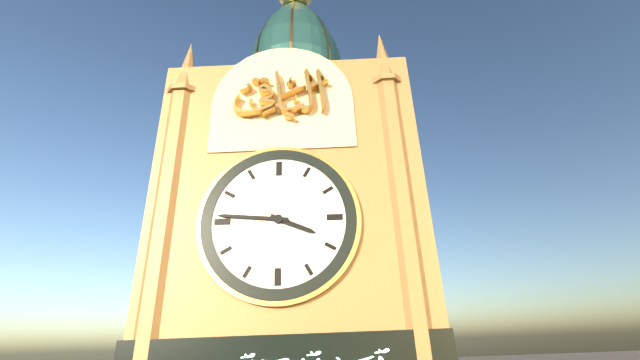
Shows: 3h46
